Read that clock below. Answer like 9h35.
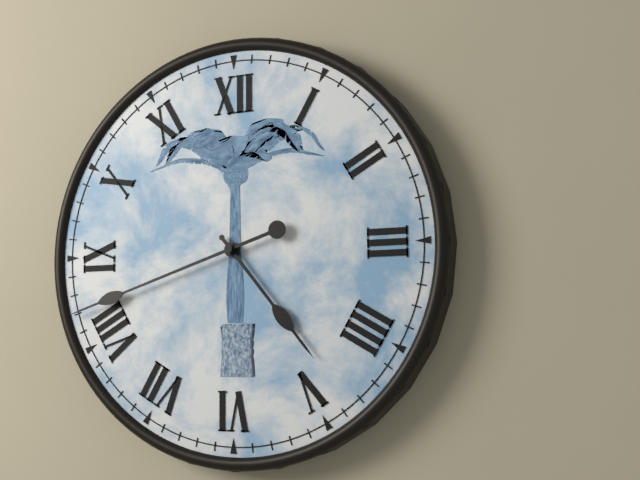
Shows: 4h42
